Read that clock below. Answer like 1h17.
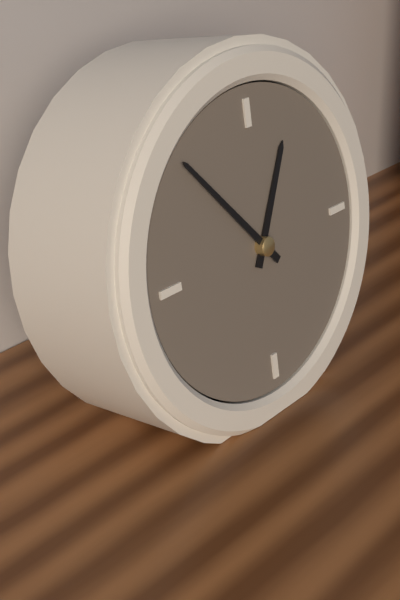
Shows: 12h53
